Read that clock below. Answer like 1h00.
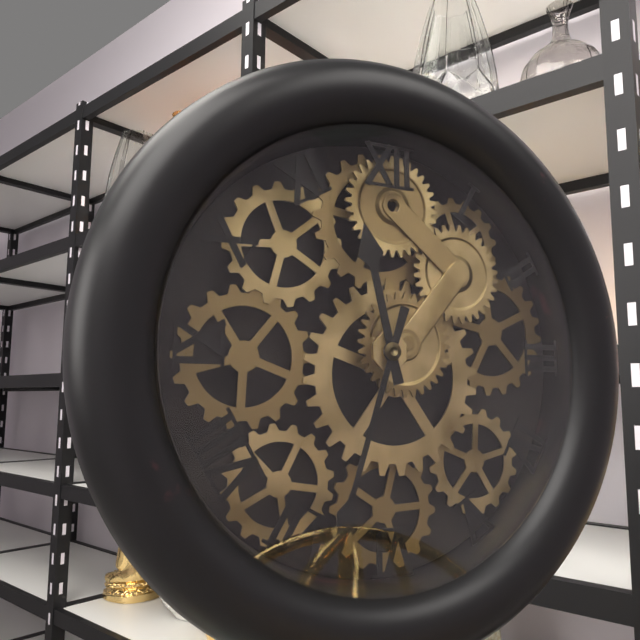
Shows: 11h33
